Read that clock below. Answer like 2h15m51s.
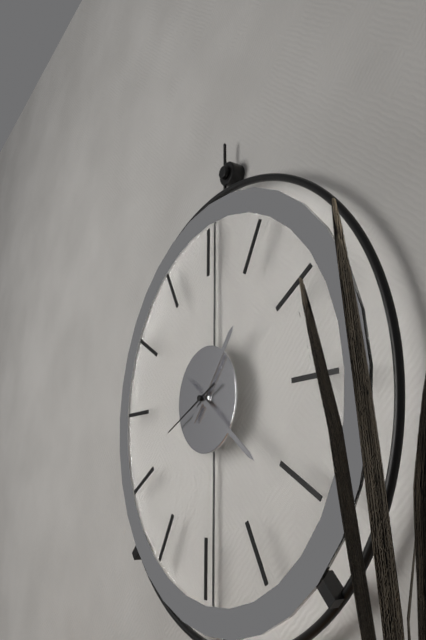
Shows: 1h21m41s
